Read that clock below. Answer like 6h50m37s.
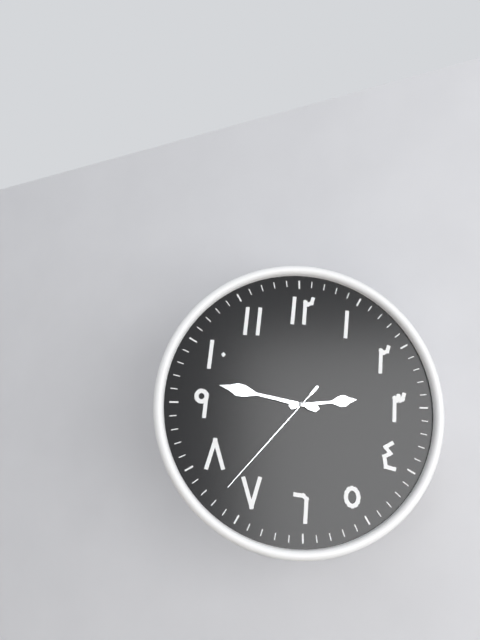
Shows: 2h47m37s
